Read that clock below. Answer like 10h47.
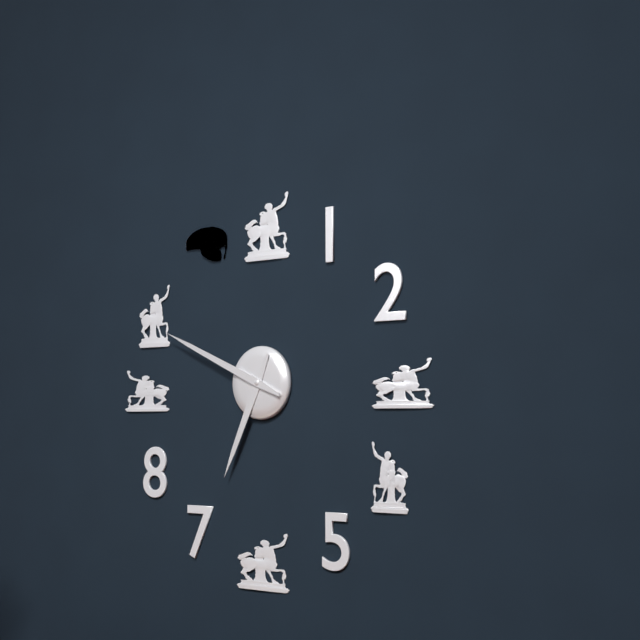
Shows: 6h49
